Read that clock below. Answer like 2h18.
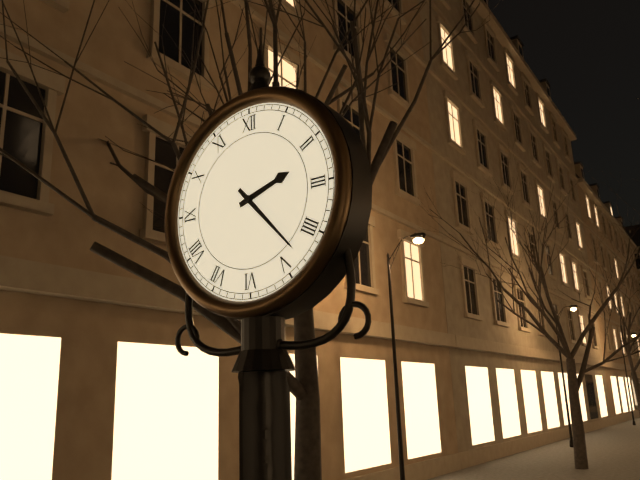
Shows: 2h23
